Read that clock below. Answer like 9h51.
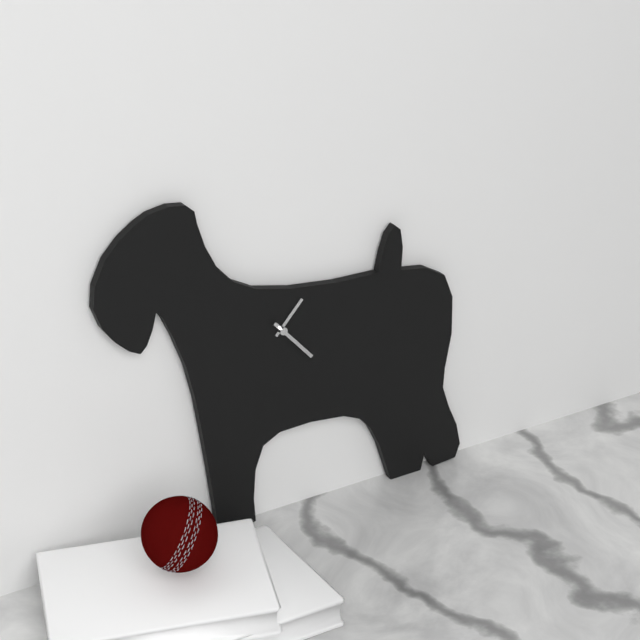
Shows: 1h23
